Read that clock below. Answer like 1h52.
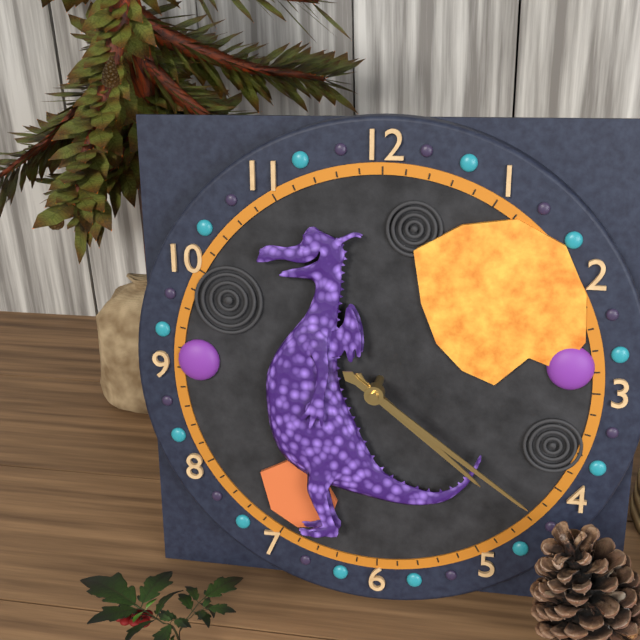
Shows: 4h21
